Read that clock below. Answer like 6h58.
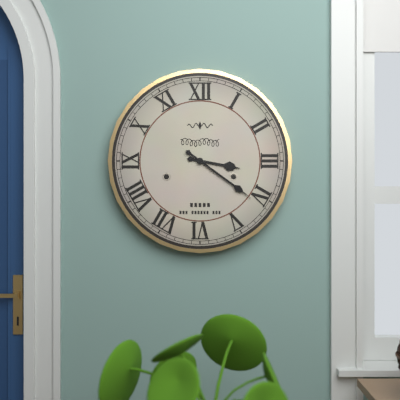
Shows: 3h21
